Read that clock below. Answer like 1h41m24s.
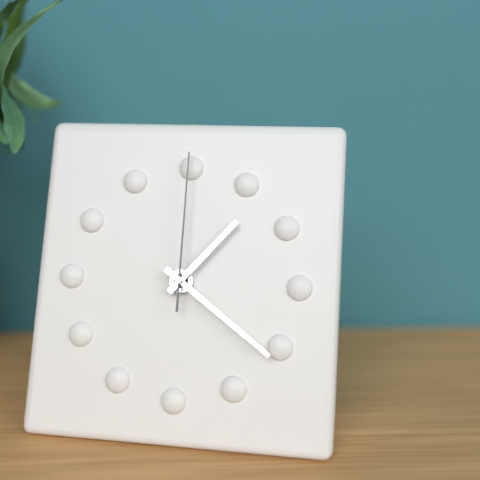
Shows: 1h21m00s
